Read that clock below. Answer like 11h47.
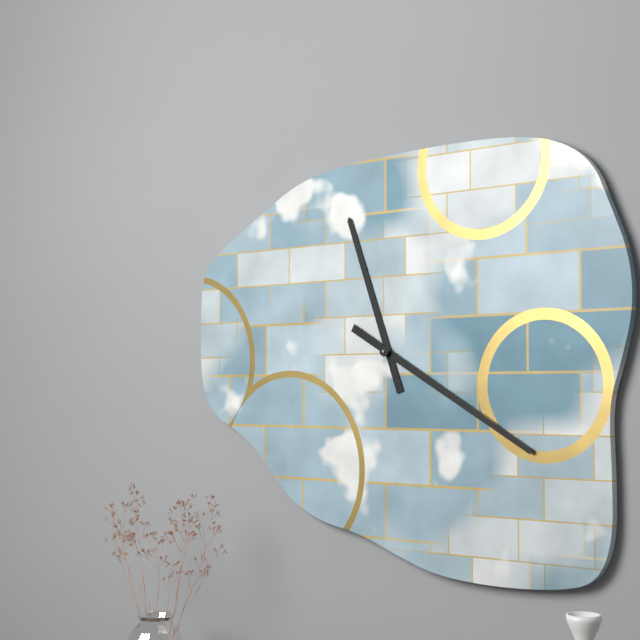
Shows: 11h20
